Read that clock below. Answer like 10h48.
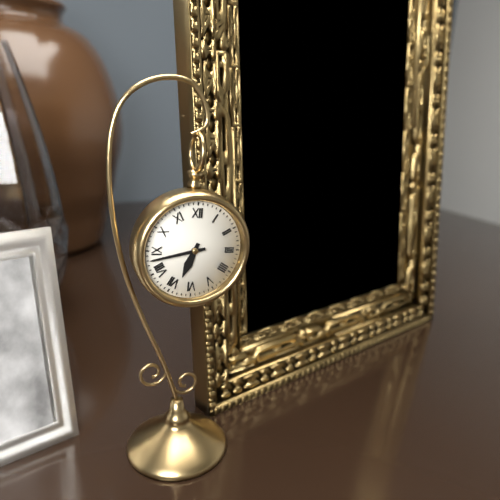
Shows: 6h43
